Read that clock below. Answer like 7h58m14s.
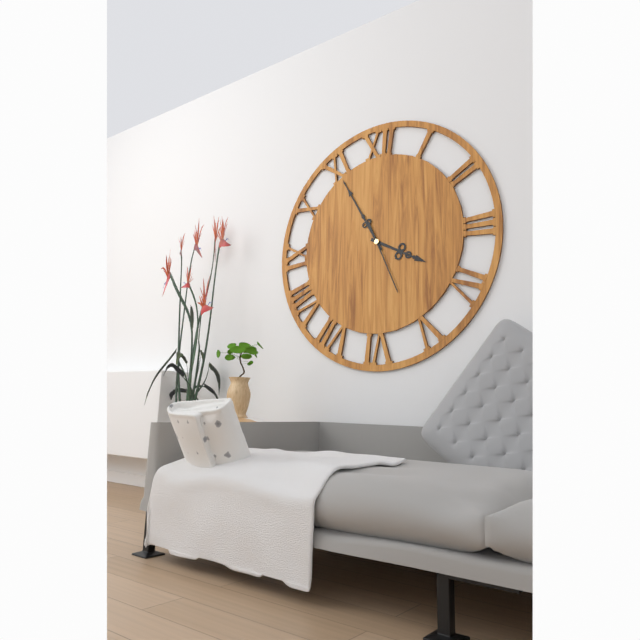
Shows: 3h55m26s
